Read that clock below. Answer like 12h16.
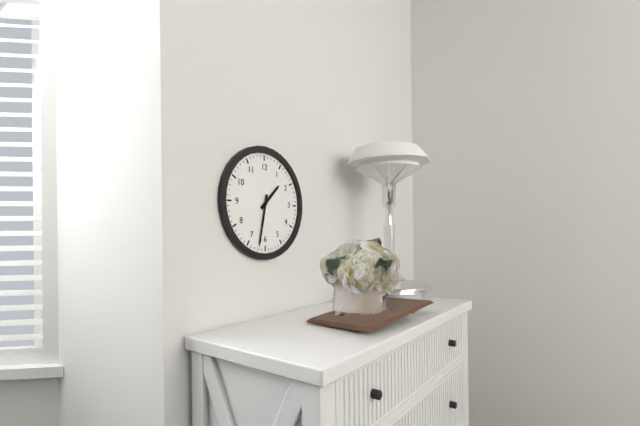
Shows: 1h32
